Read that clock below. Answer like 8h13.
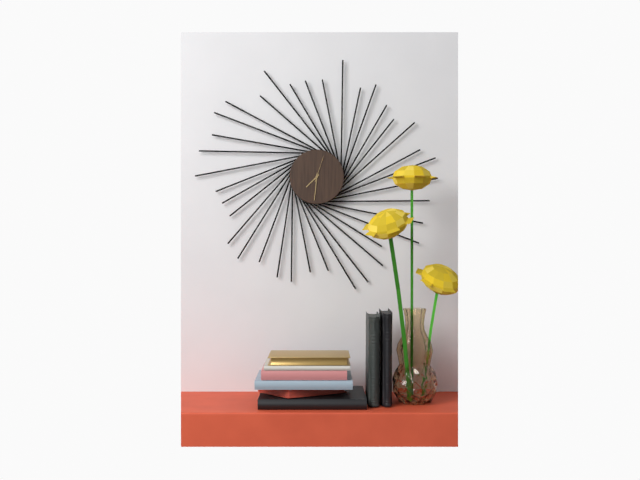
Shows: 7h31
